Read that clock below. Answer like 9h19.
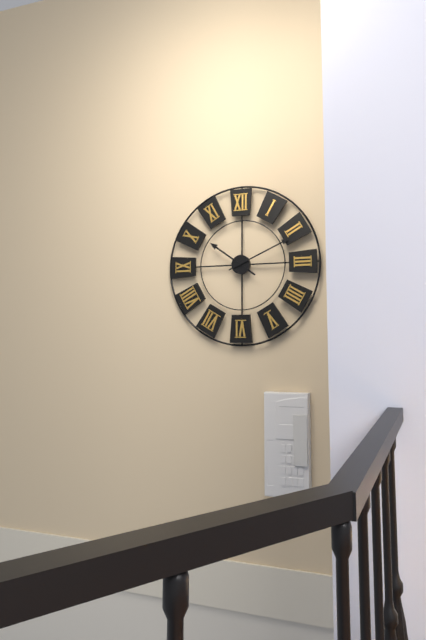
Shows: 10h11
